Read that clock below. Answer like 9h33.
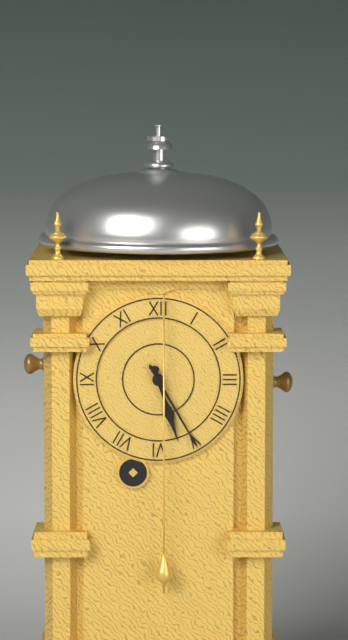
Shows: 5h25
